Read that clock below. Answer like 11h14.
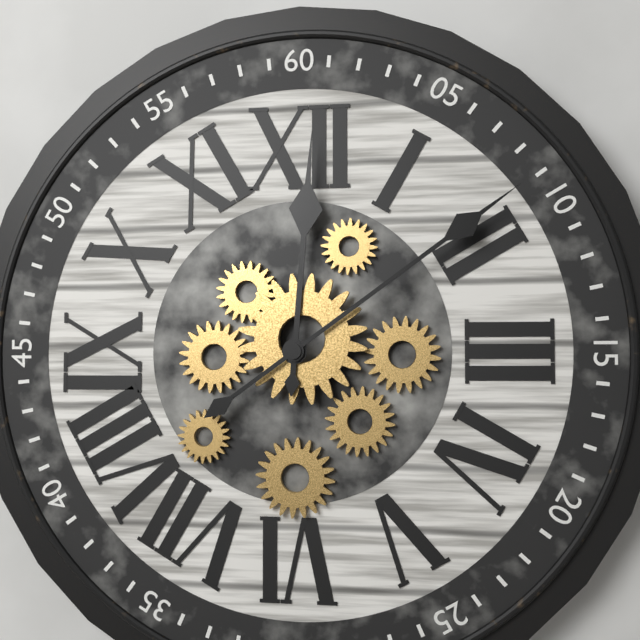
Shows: 12h09
